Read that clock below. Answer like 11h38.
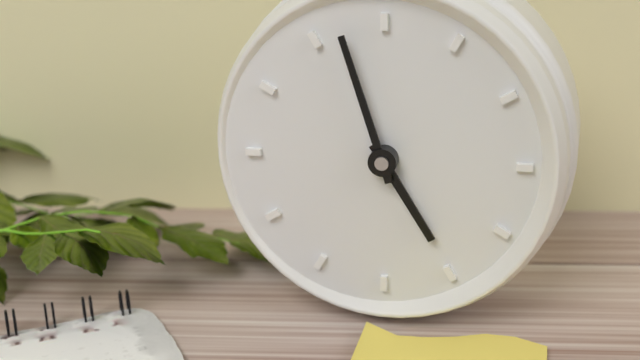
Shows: 4h57
